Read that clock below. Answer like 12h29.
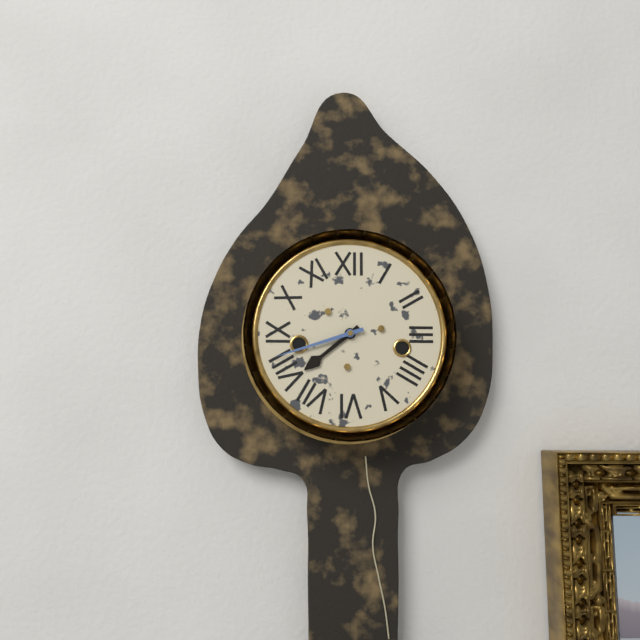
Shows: 7h42
